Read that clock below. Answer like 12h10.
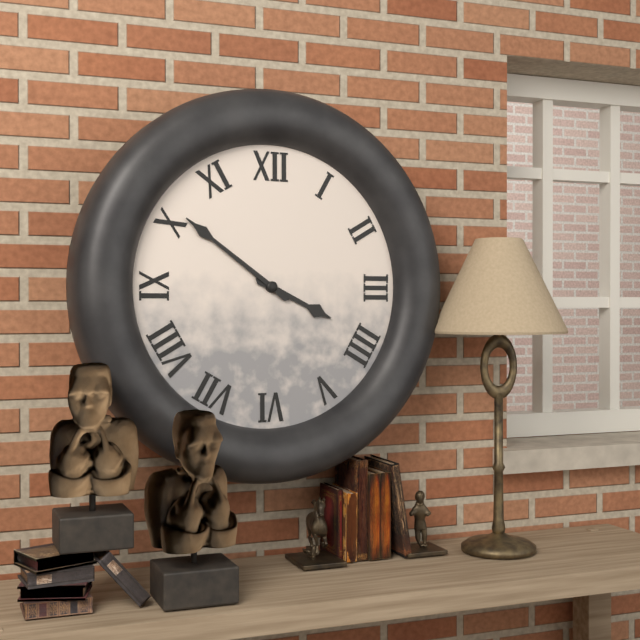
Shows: 3h51
